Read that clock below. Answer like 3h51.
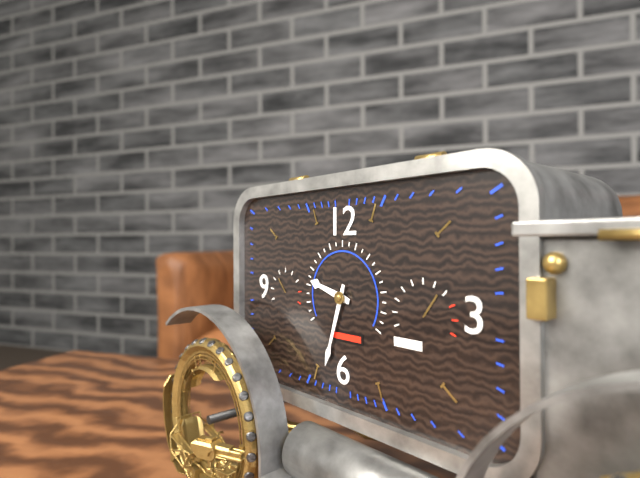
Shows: 9h33
